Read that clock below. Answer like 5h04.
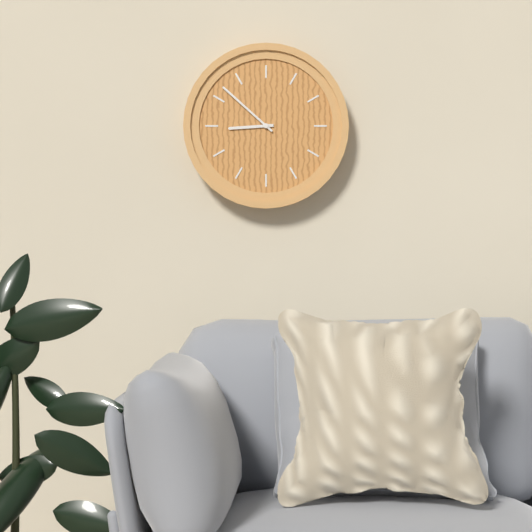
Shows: 8h52
